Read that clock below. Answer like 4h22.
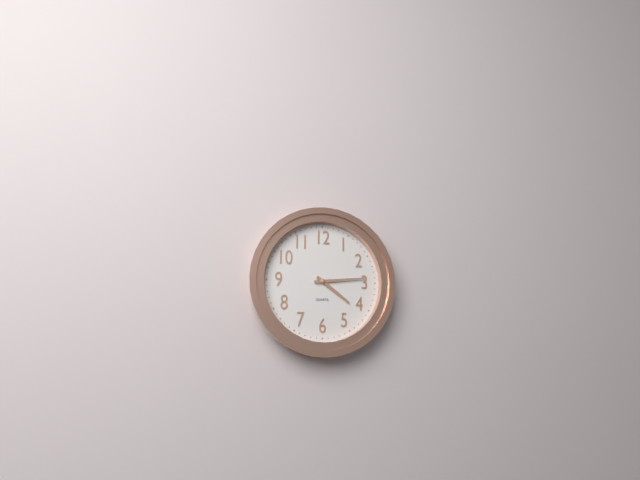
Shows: 4h14
